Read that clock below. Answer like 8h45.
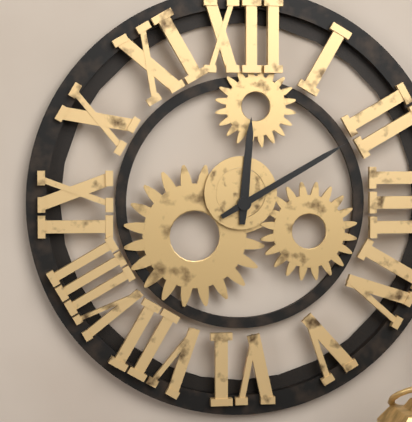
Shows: 12h10
